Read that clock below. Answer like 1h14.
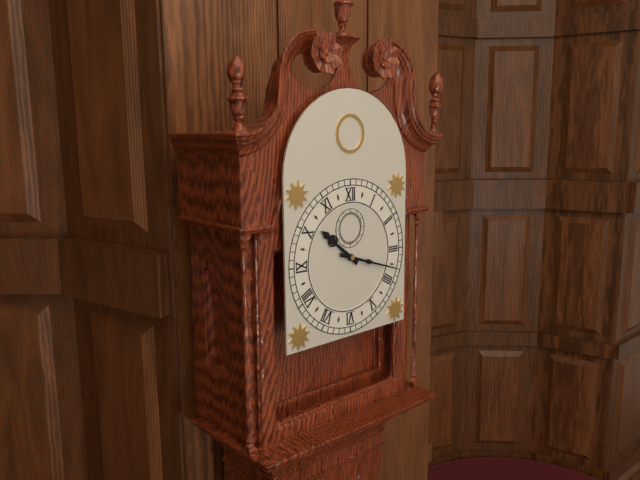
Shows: 10h18
